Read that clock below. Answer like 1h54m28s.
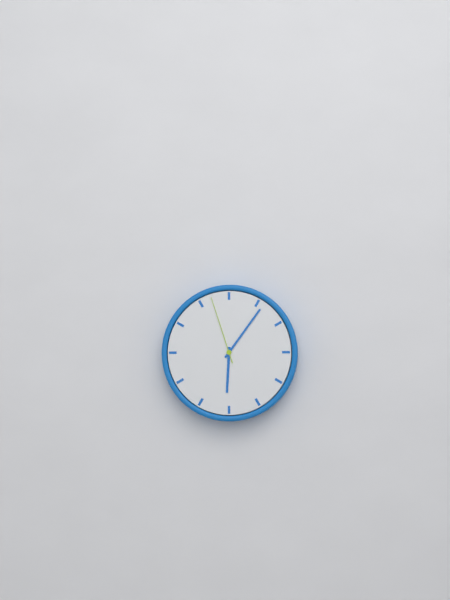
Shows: 6h06m57s
